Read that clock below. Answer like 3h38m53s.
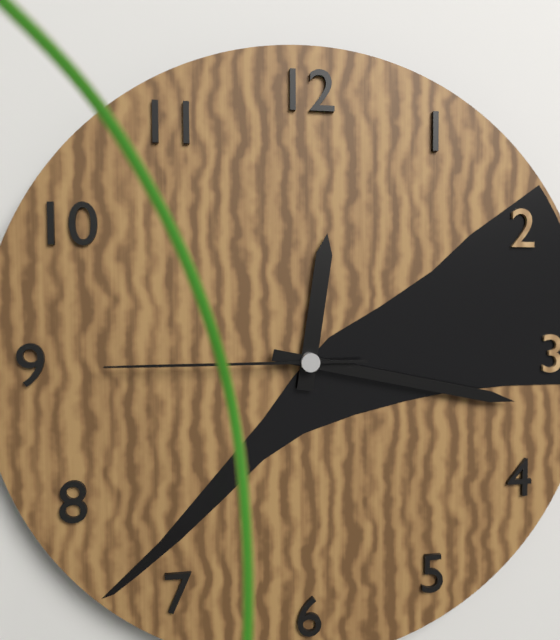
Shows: 12h17m45s
